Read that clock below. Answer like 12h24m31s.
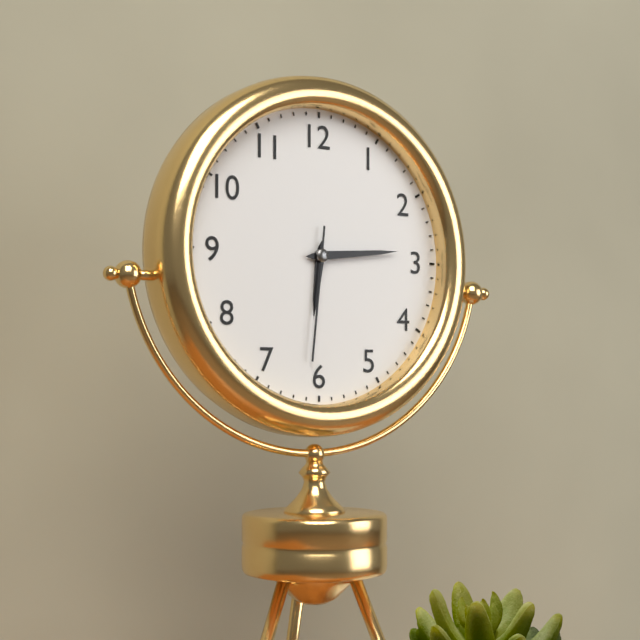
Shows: 6h14m31s
